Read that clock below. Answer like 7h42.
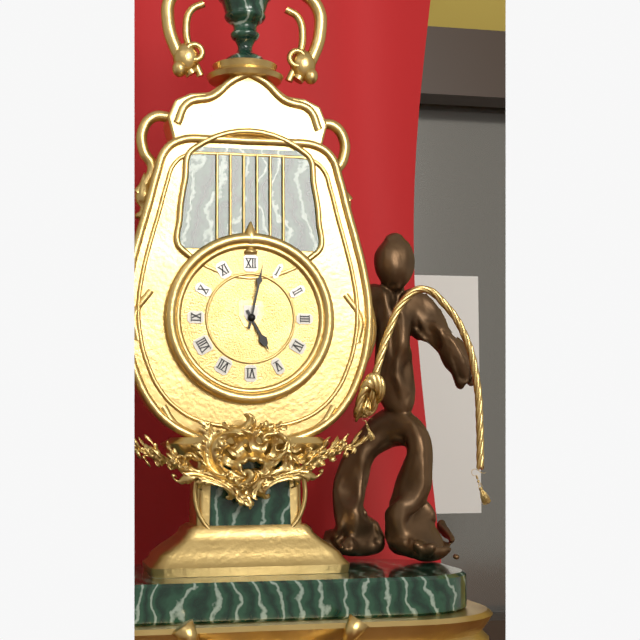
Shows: 5h02
